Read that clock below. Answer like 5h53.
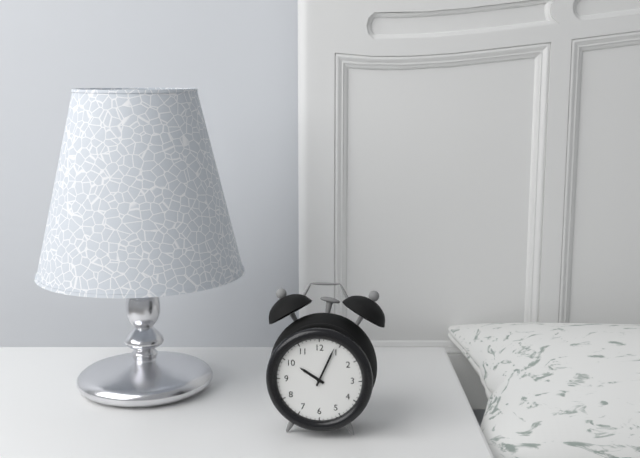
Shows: 10h04
